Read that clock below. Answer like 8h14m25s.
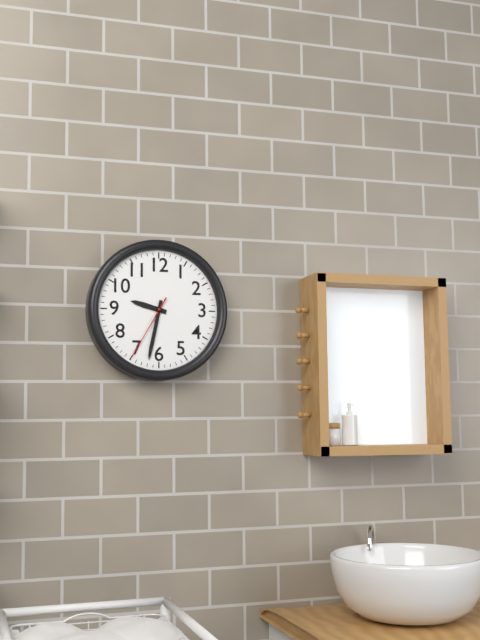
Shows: 9h32m35s
